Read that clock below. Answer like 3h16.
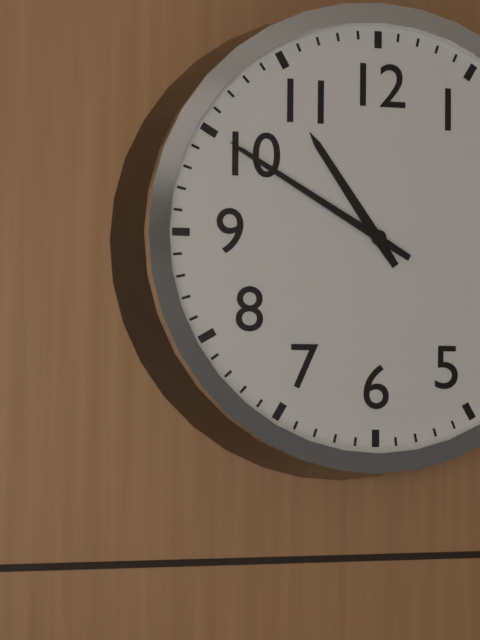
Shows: 10h50
